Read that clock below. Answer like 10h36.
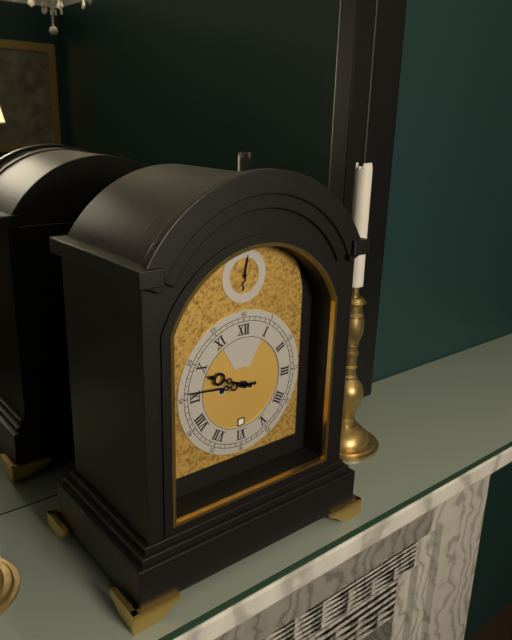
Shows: 9h46
